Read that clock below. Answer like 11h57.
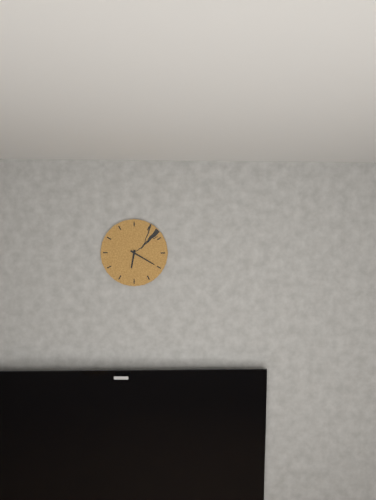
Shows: 6h20
